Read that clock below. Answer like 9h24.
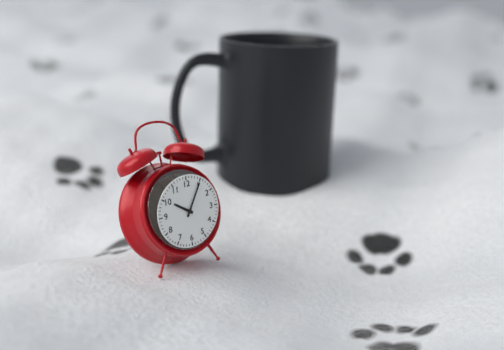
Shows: 10h05
